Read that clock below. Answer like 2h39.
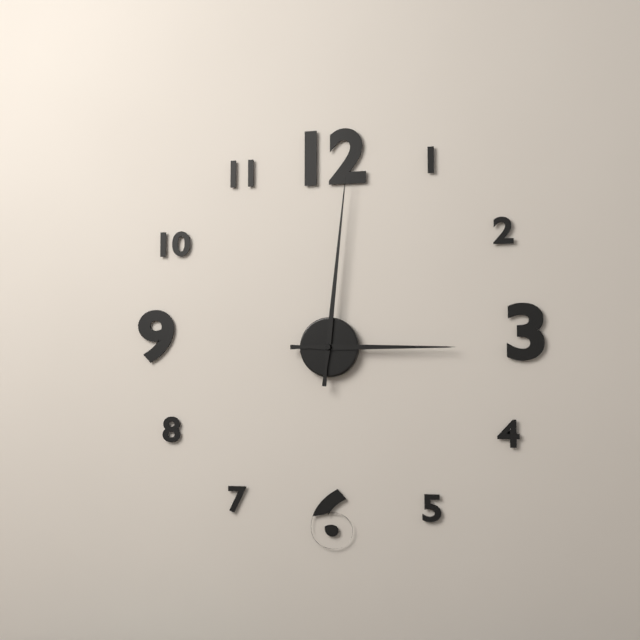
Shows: 3h01
